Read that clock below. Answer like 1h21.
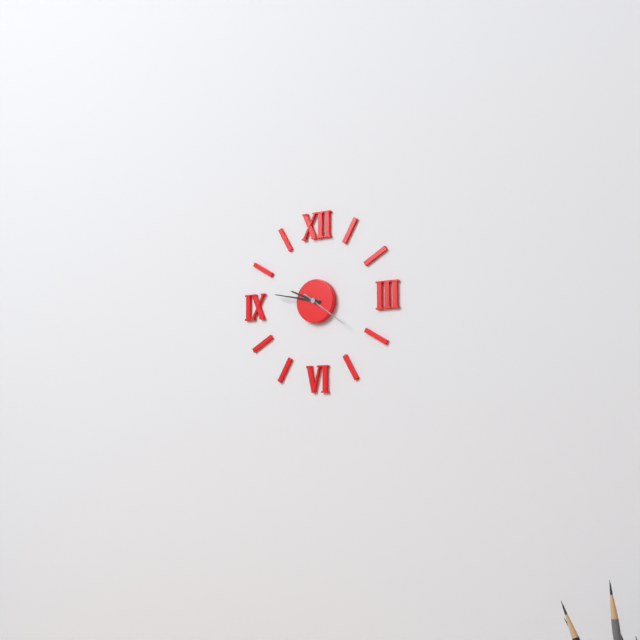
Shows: 9h47
